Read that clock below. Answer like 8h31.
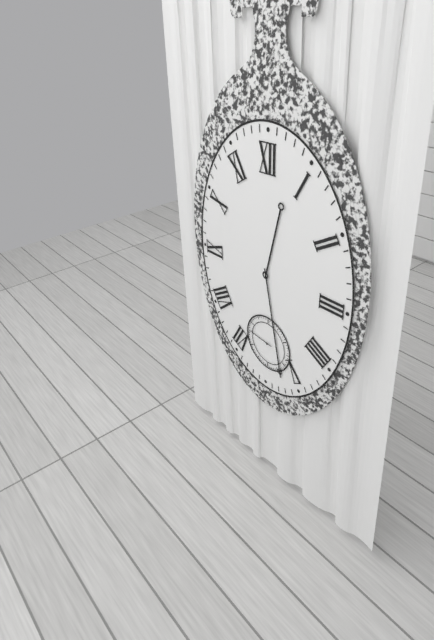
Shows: 12h28
